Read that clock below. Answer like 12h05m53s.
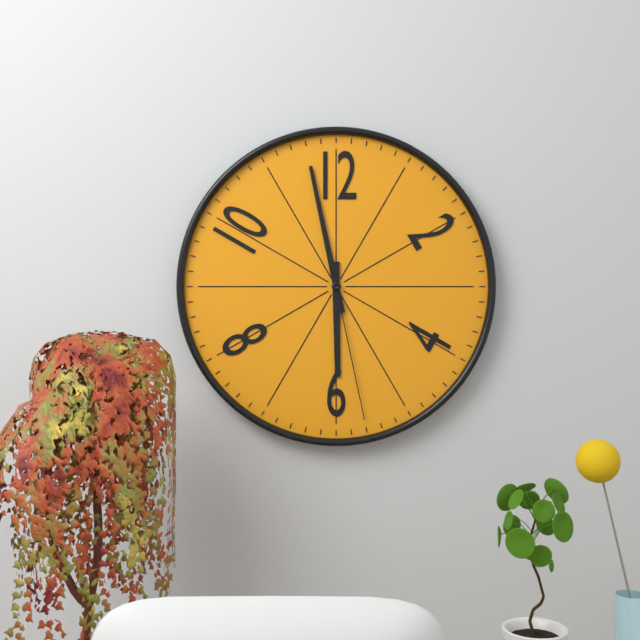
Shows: 5h58m28s
